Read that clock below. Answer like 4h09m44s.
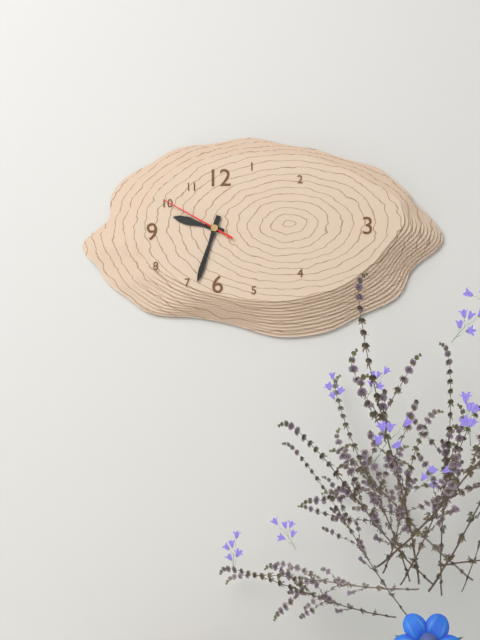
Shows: 9h33m50s
